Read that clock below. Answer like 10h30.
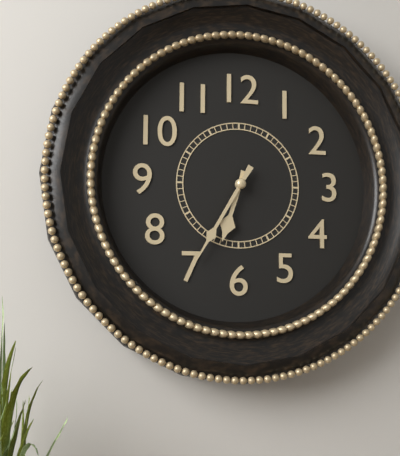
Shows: 6h35
